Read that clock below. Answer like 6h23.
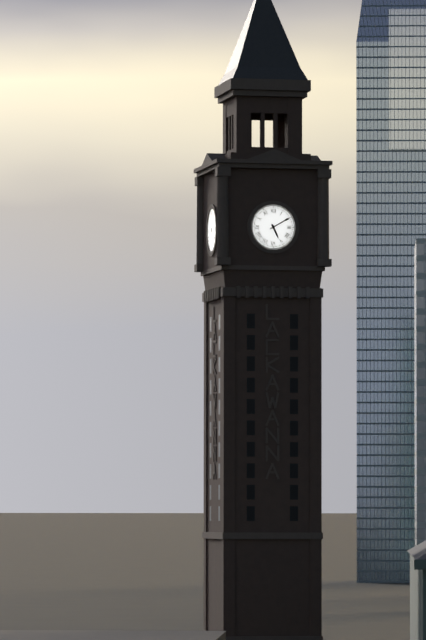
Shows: 5h10
